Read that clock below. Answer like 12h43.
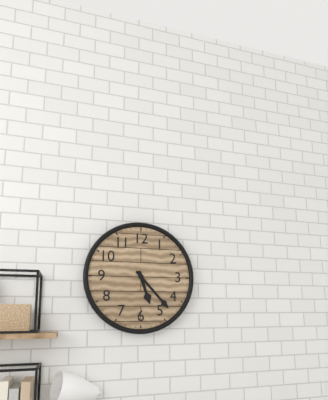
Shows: 5h23
